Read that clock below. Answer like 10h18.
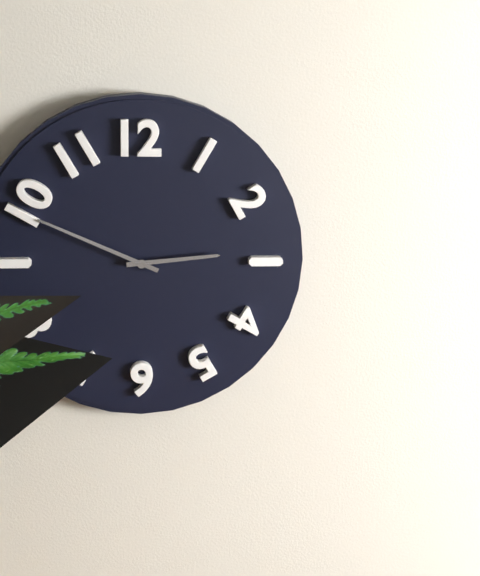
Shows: 2h49
